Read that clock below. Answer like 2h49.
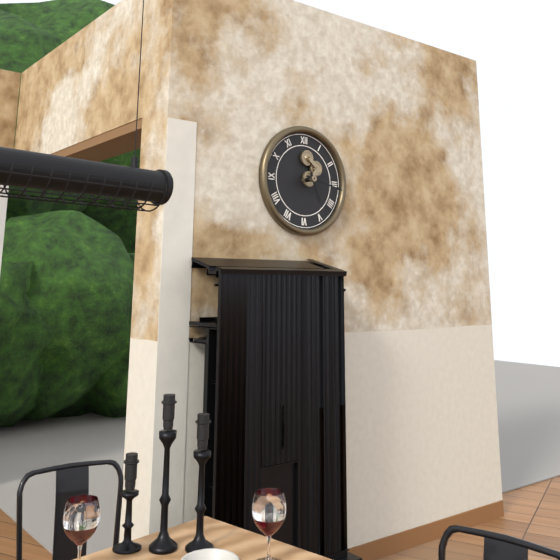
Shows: 5h17
